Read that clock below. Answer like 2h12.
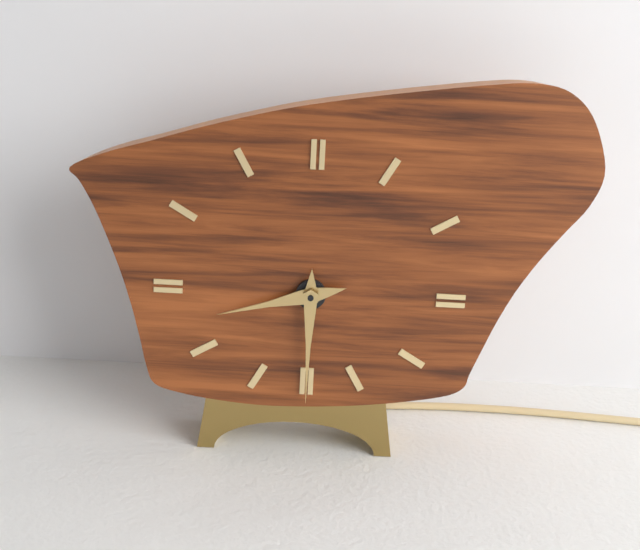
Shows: 8h30
